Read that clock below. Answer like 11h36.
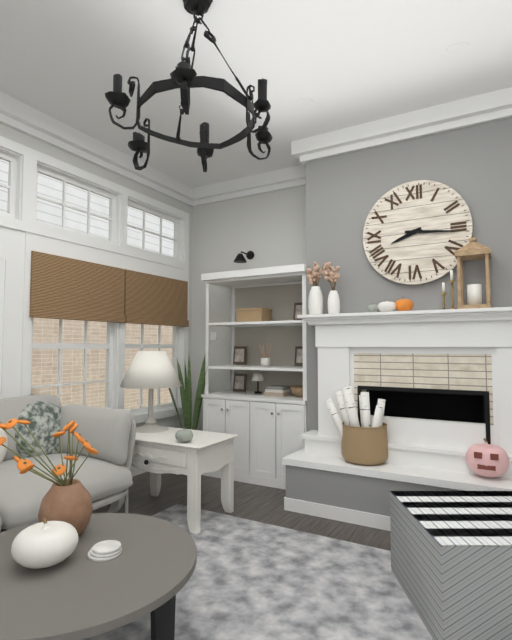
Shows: 8h16
